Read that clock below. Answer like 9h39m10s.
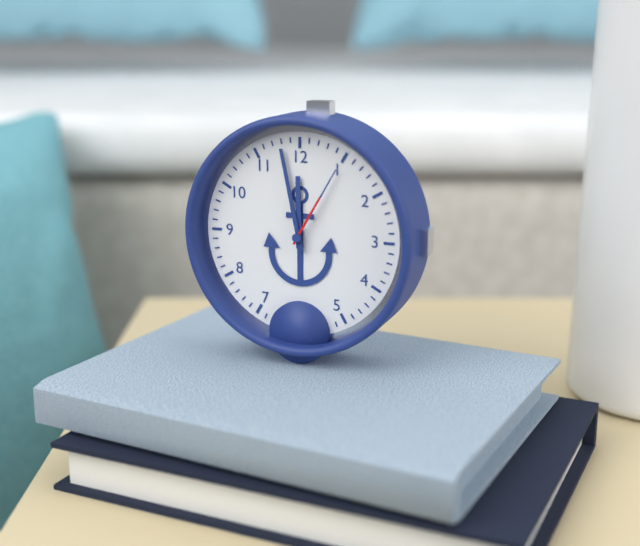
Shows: 11h58m05s
